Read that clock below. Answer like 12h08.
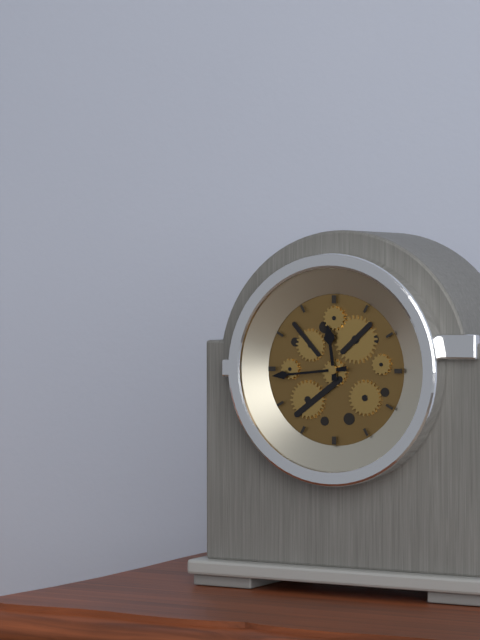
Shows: 11h44
